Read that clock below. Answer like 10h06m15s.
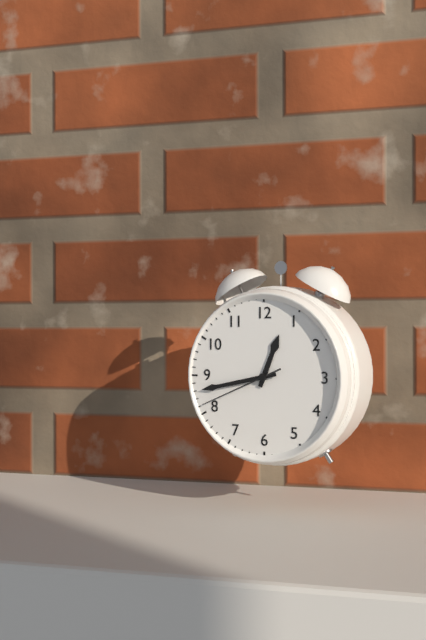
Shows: 12h43m41s
